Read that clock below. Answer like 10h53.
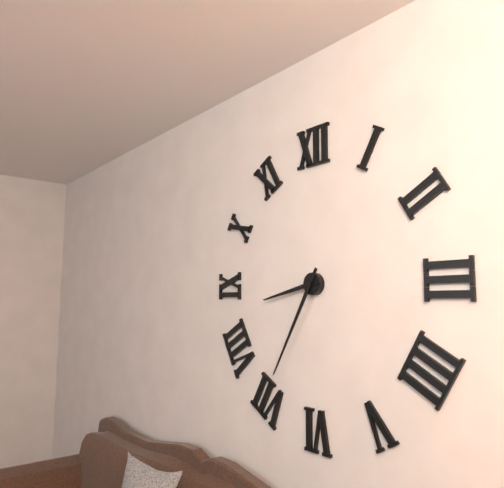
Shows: 8h35
